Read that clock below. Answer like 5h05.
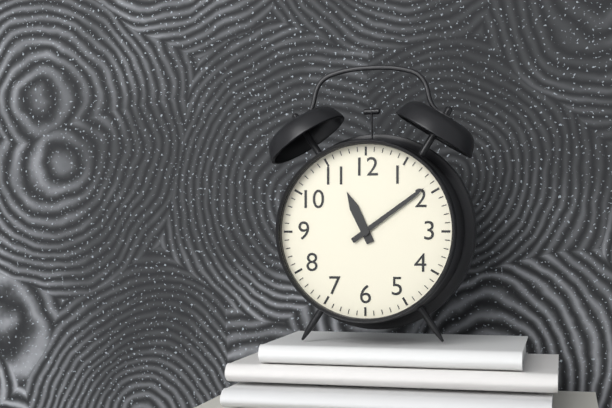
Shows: 11h09
